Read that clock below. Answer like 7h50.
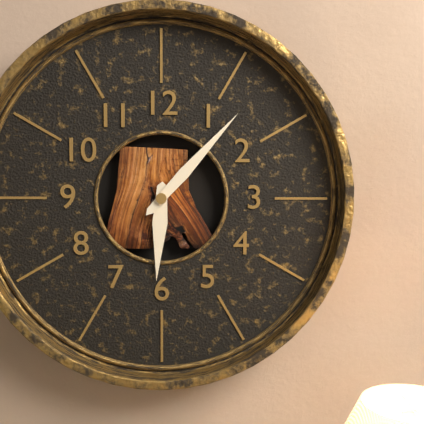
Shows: 6h07
